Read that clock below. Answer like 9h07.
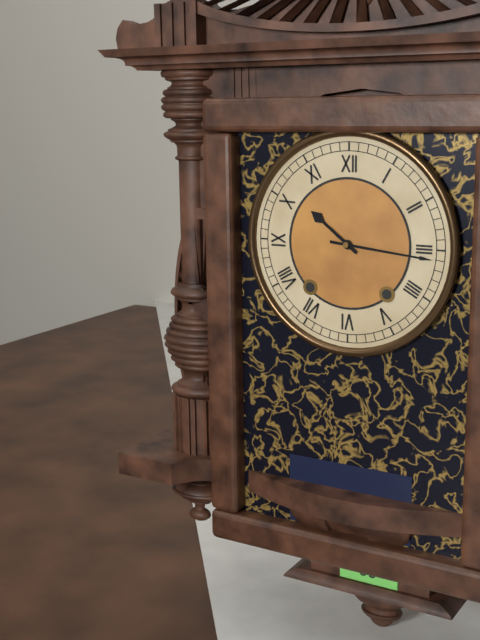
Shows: 10h16
